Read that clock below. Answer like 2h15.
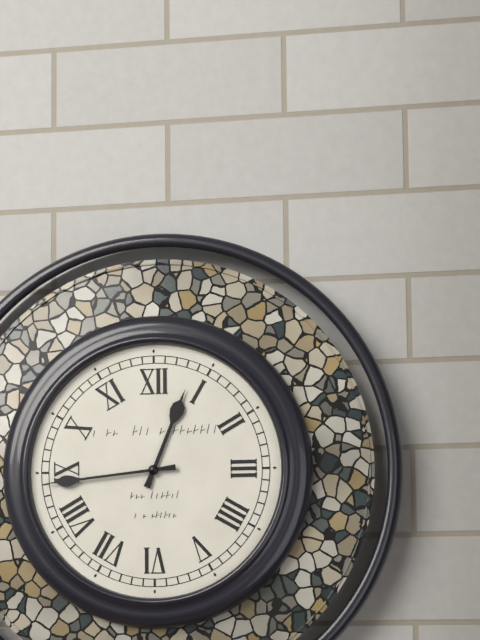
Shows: 12h44
